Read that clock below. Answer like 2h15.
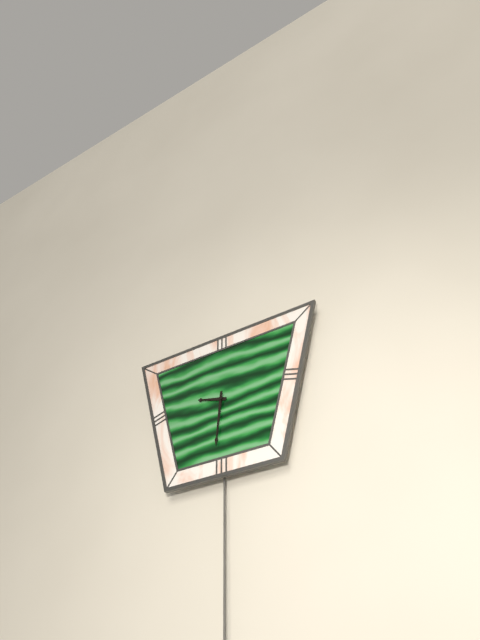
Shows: 9h31
